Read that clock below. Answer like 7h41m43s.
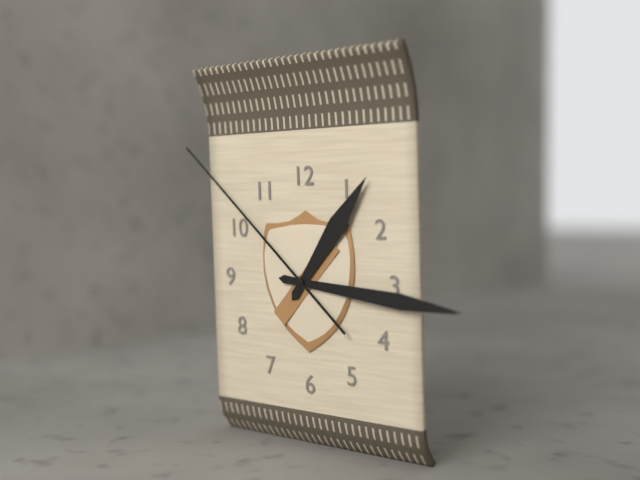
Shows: 1h16m52s
